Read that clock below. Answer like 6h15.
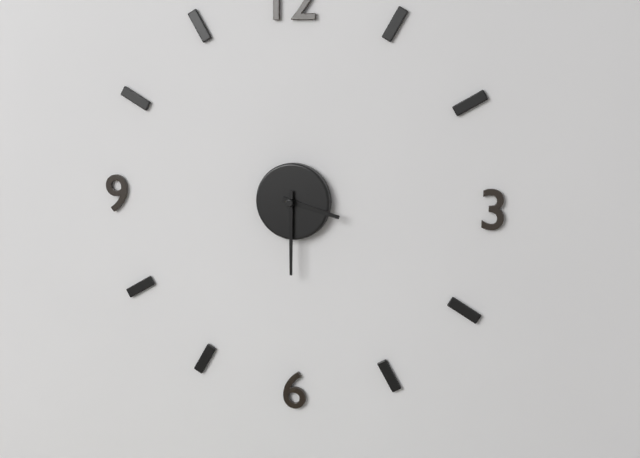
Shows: 3h30
